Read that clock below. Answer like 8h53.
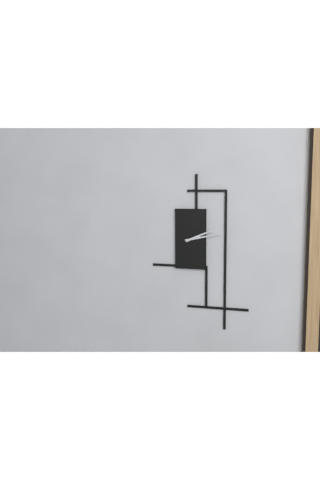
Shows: 2h13
